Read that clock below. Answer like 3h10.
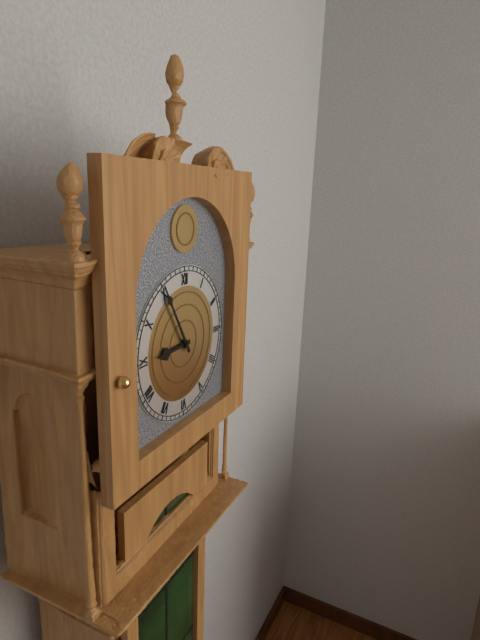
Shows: 8h55
